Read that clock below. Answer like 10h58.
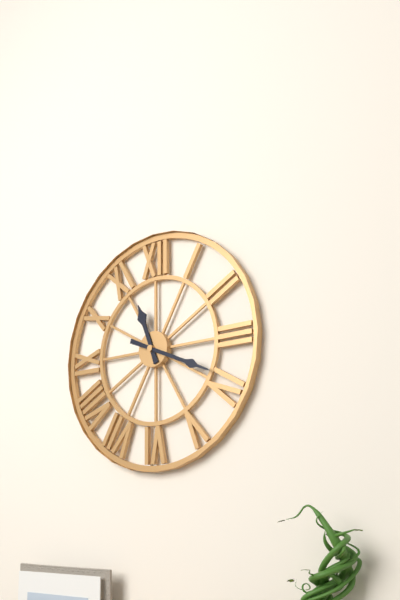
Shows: 11h19
